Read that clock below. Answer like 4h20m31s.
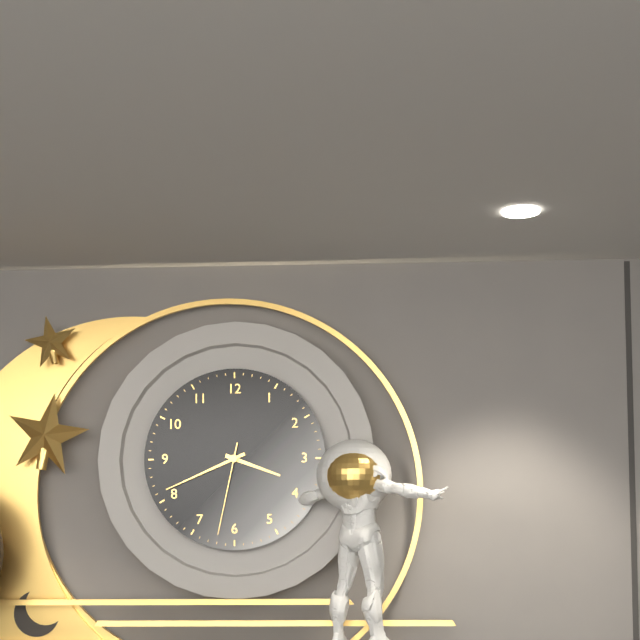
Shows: 3h41m32s
